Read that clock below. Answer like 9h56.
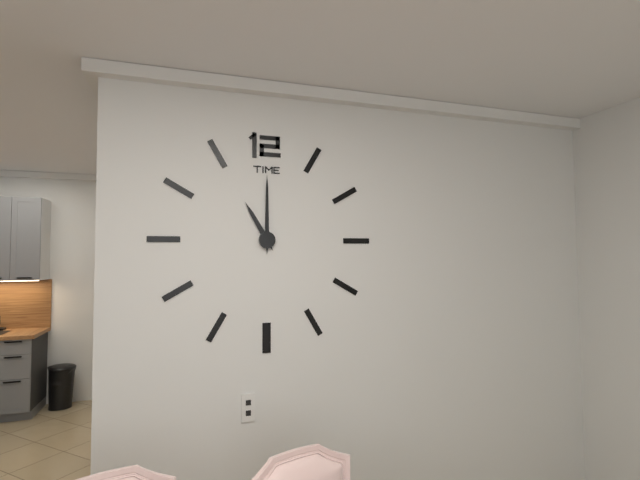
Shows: 11h00
